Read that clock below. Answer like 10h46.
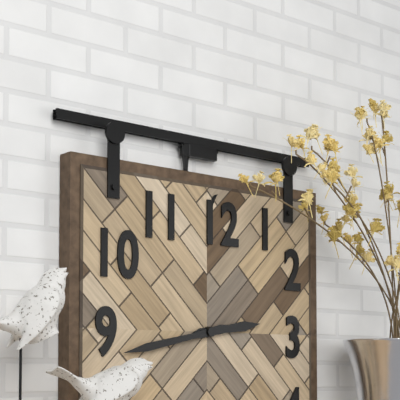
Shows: 2h43
